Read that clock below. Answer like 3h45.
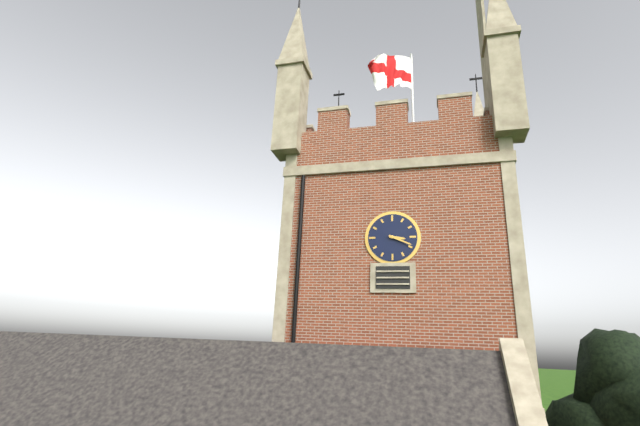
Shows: 3h19
